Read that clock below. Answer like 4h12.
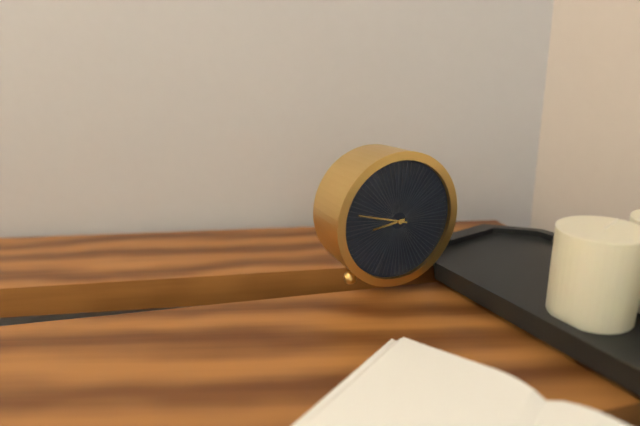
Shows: 8h48
